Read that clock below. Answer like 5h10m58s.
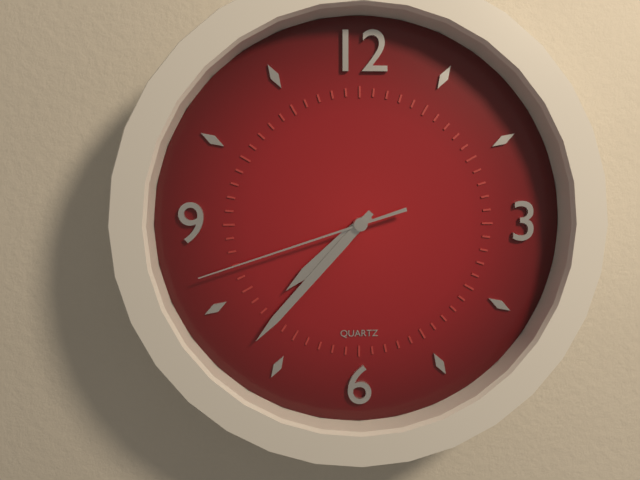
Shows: 7h37m42s
